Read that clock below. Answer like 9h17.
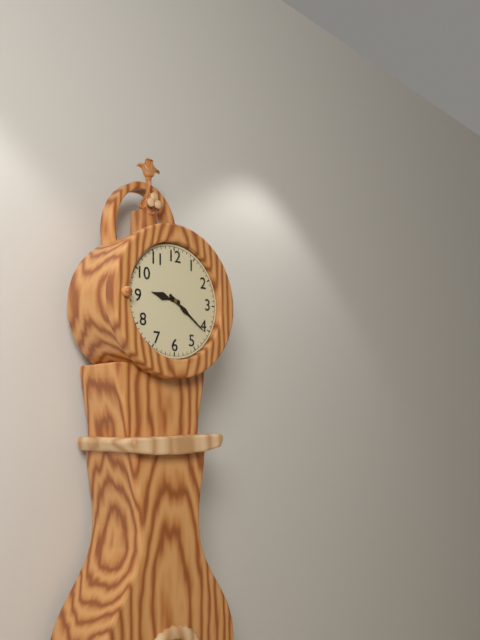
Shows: 9h21
